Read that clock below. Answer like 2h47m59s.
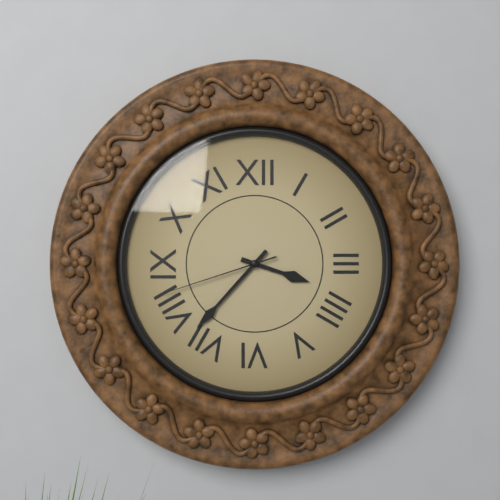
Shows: 3h37m42s
